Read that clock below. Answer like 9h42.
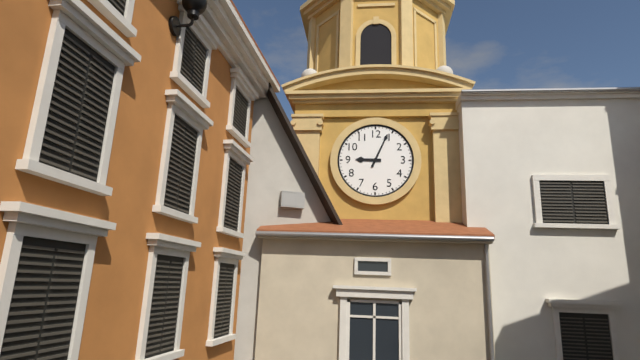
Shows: 9h04
